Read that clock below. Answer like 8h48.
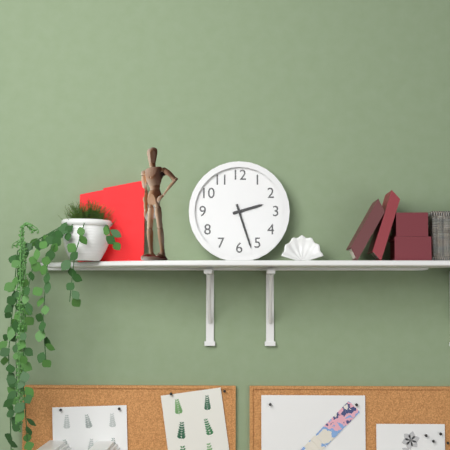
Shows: 2h27
